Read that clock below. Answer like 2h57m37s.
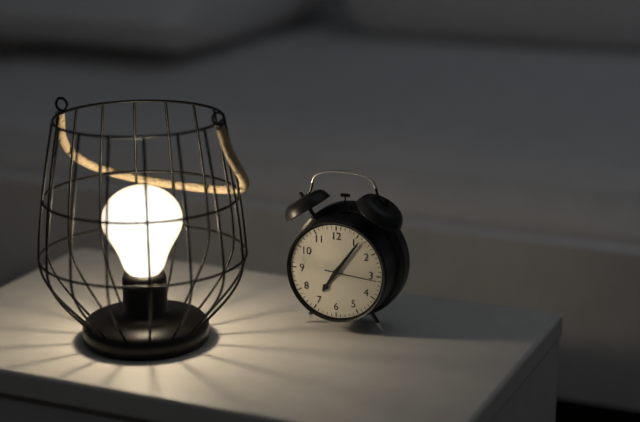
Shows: 7h06m16s
